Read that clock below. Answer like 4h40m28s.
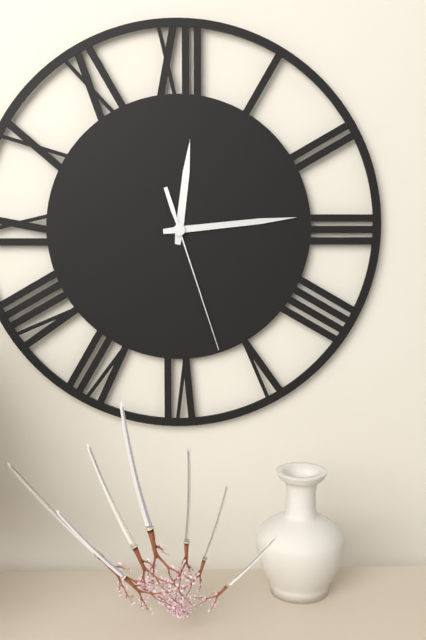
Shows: 12h14m27s
